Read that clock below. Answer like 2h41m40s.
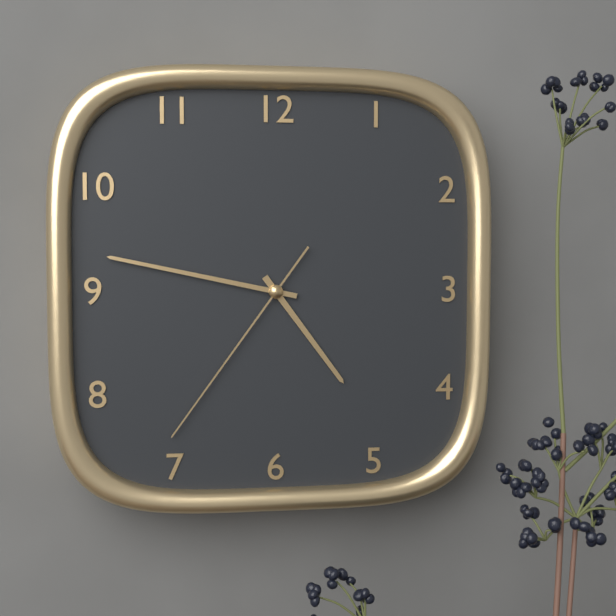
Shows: 4h47m36s
